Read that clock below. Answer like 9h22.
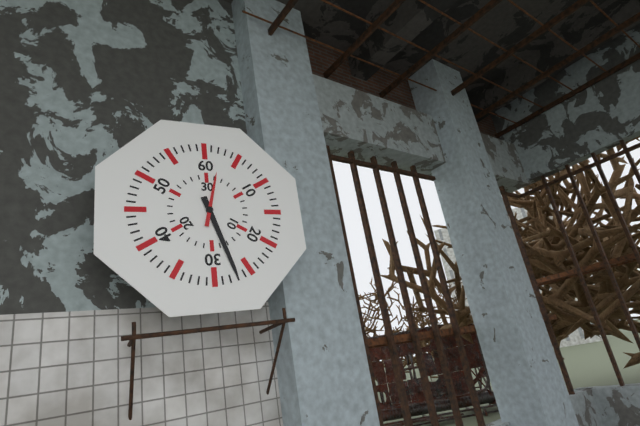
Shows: 12h27
